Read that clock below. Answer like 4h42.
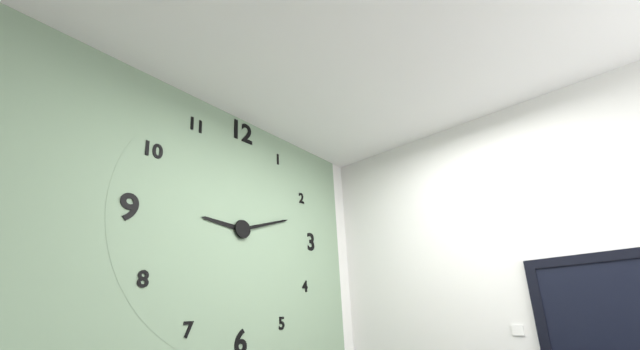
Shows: 9h12
